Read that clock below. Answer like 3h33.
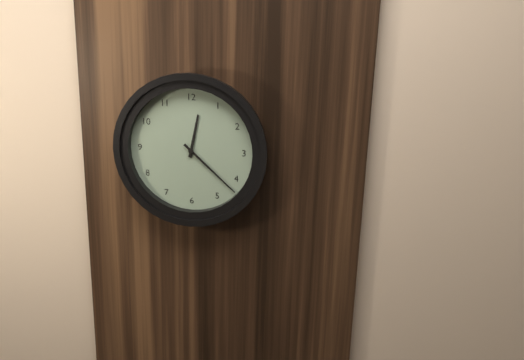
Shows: 12h22
